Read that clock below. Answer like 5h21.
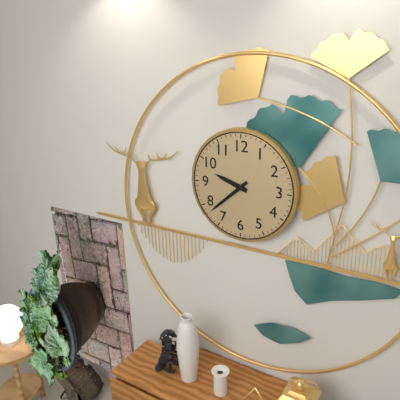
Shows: 9h38
